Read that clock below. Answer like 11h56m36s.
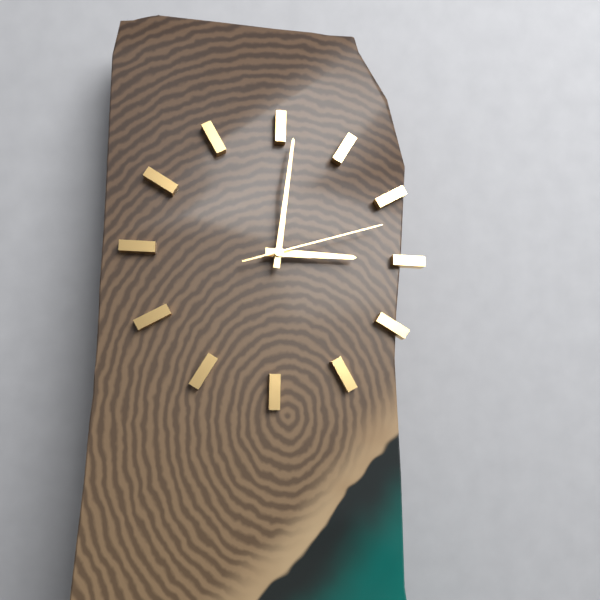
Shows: 3h01m12s
